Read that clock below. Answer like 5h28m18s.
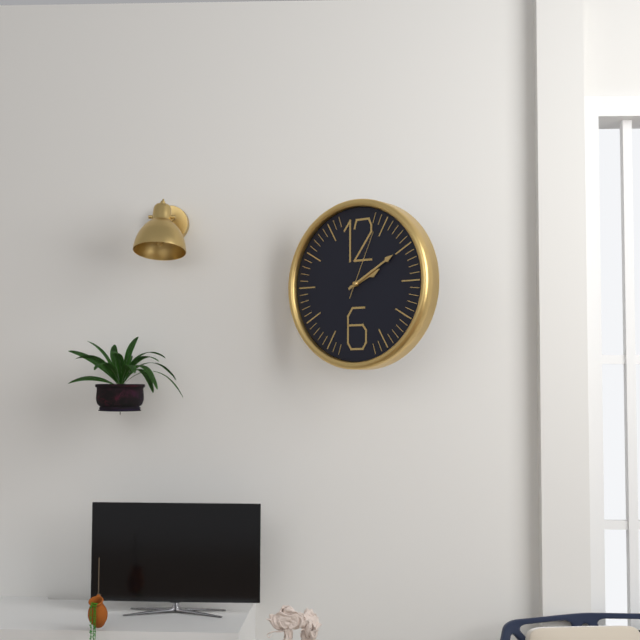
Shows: 2h10m04s
